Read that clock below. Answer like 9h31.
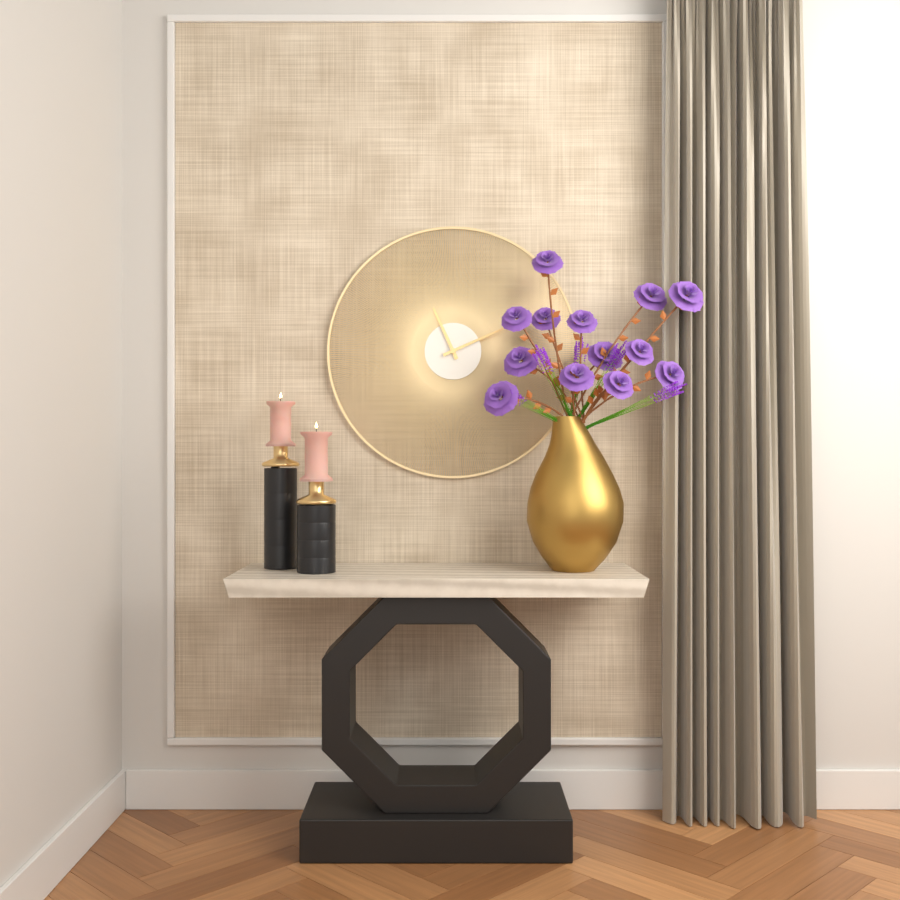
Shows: 11h11
